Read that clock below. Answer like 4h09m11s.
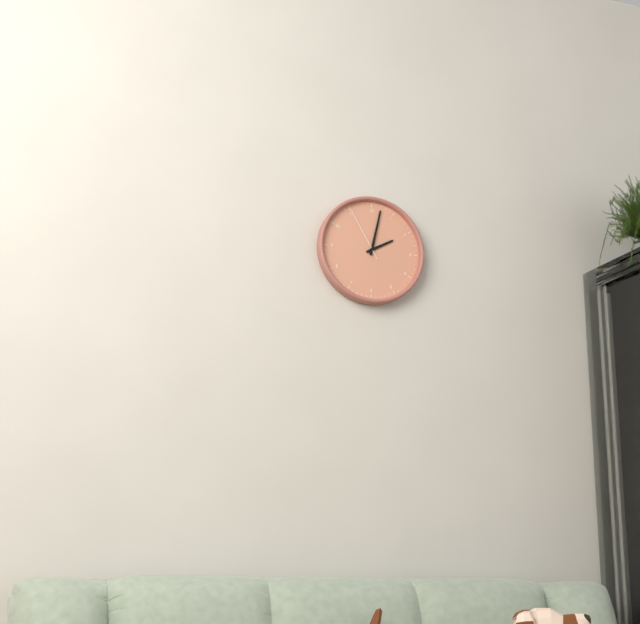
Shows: 2h02m55s
